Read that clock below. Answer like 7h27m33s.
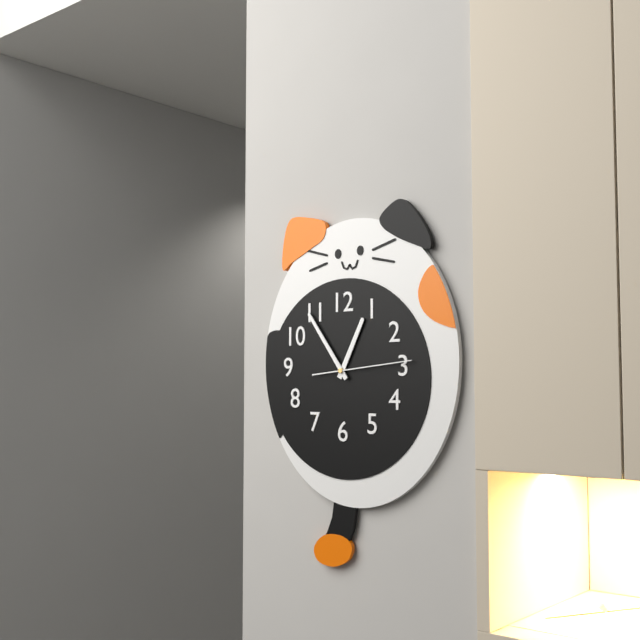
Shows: 12h54m14s
